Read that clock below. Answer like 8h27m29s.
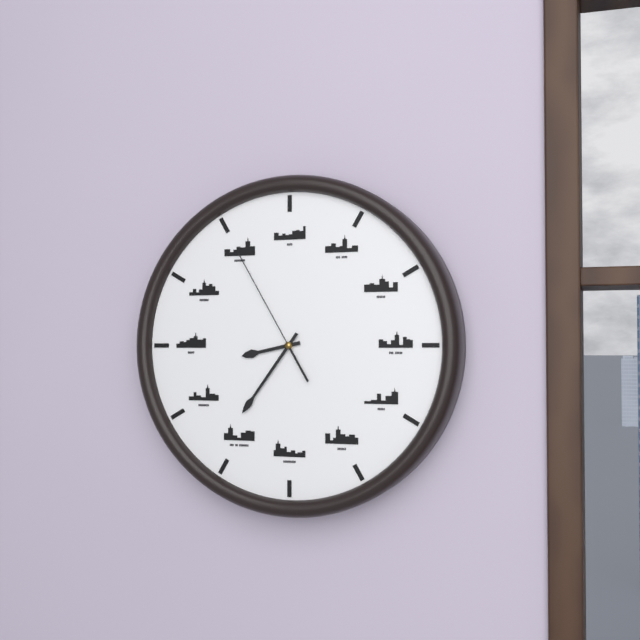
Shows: 8h36m55s
